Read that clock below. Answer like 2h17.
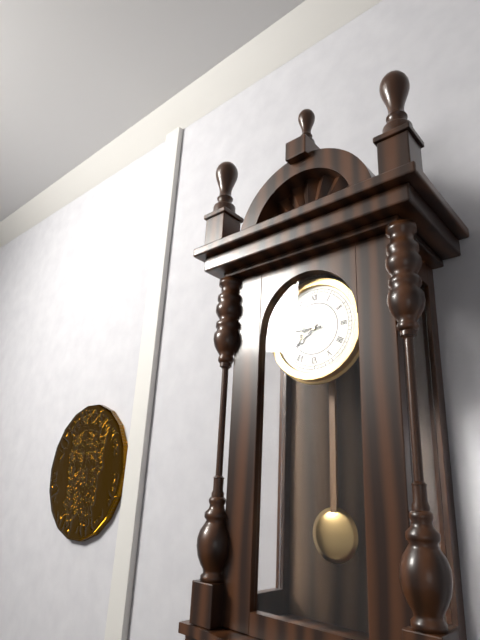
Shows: 7h45
